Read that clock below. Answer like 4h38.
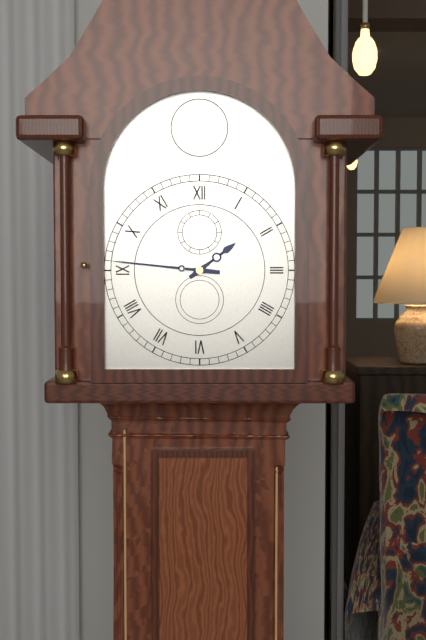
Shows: 1h46
